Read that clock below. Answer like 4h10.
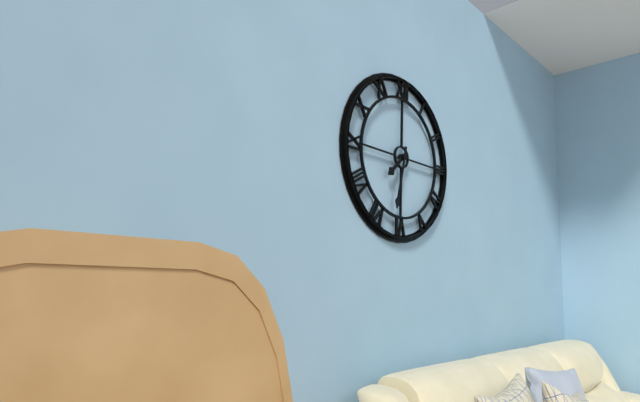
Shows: 7h32
